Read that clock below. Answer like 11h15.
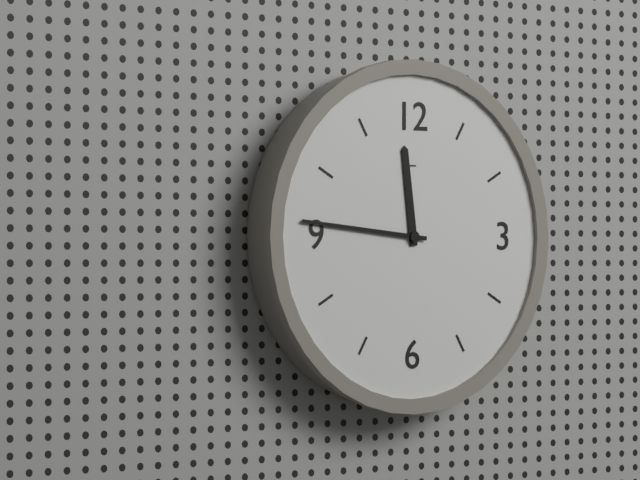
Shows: 11h46
